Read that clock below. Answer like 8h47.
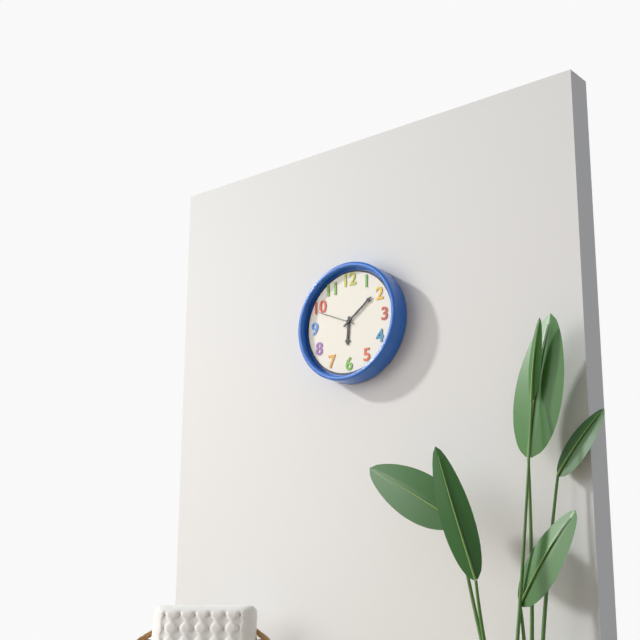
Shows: 6h09
